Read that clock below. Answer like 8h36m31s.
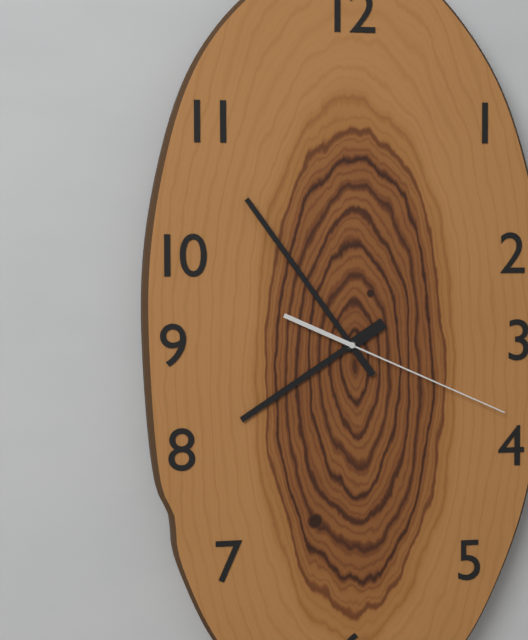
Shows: 7h54m19s
